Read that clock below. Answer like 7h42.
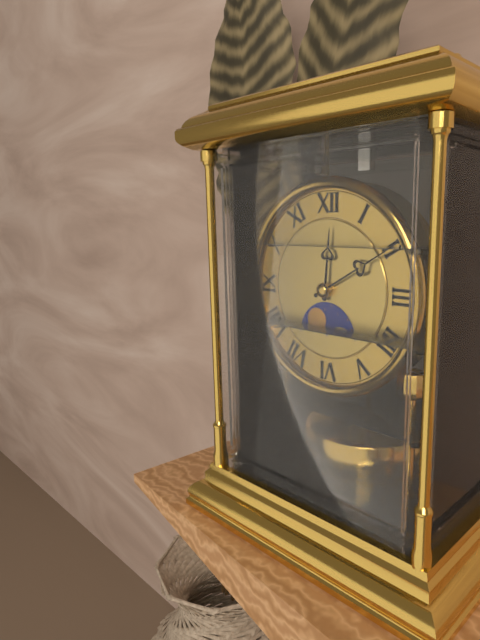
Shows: 12h10
